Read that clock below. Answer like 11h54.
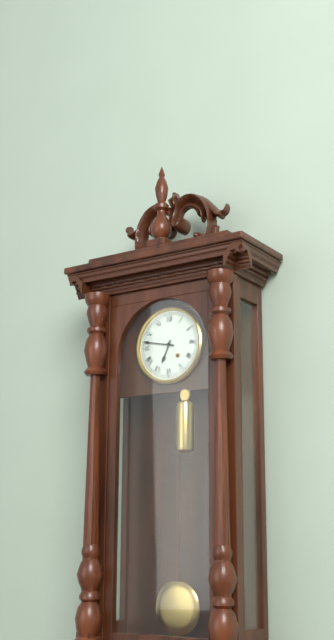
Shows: 6h47
